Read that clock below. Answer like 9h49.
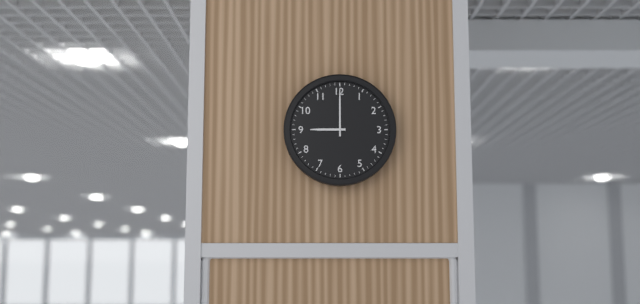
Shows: 9h00
